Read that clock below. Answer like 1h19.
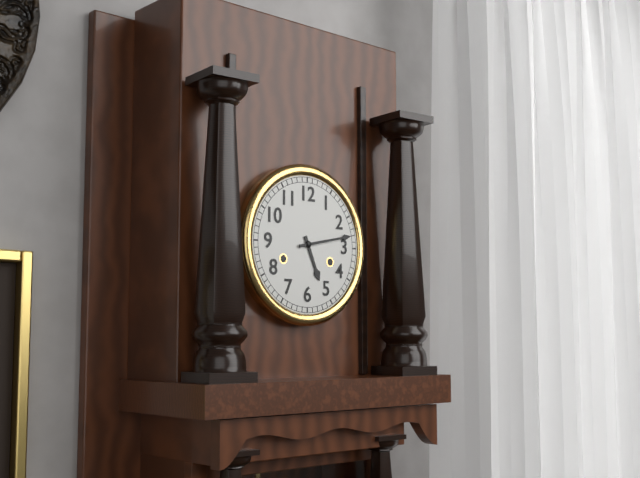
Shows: 5h13
